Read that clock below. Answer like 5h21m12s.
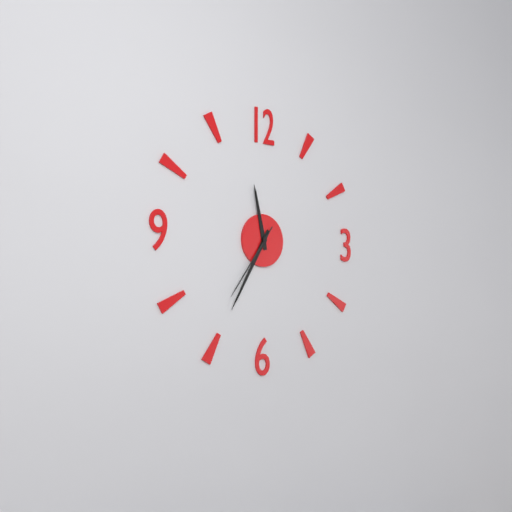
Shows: 11h35m36s
